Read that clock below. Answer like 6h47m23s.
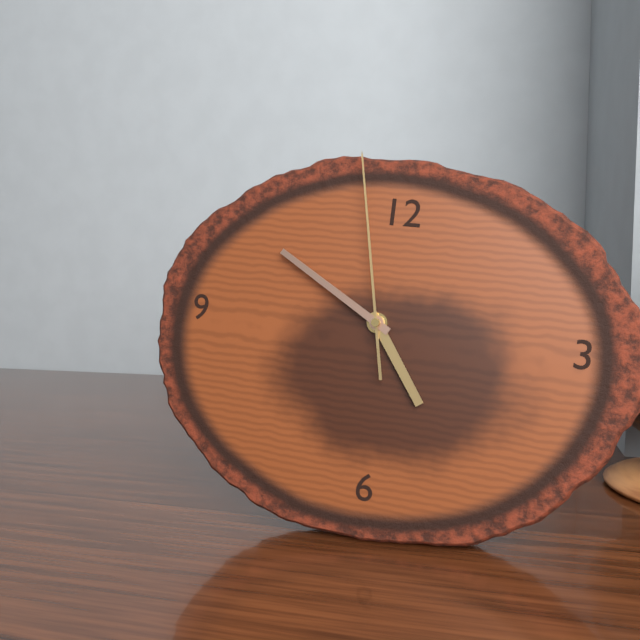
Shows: 4h50m58s
